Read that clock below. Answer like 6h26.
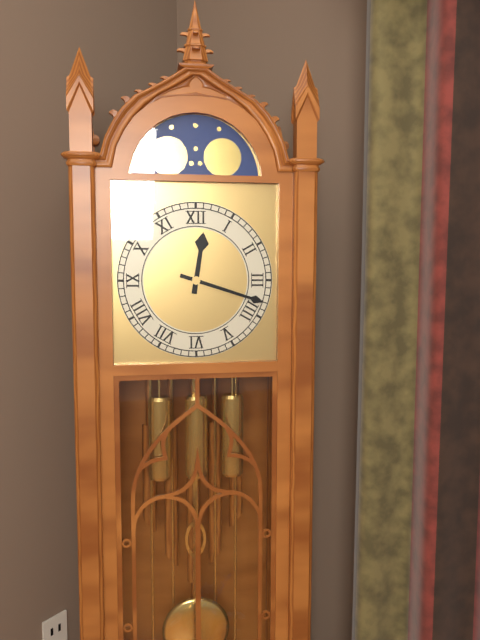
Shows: 12h18
